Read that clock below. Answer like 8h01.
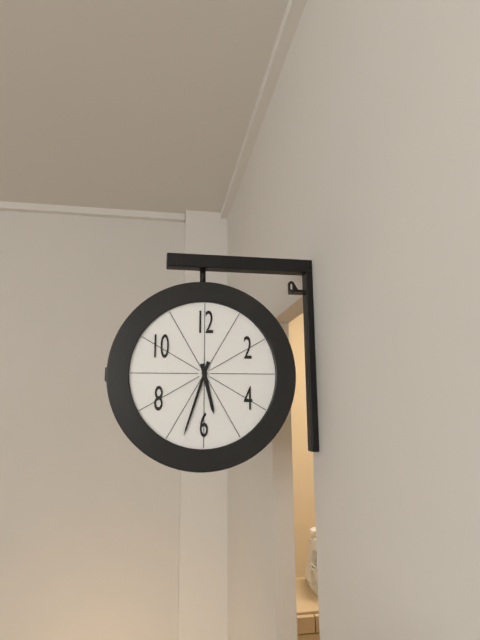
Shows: 5h33
